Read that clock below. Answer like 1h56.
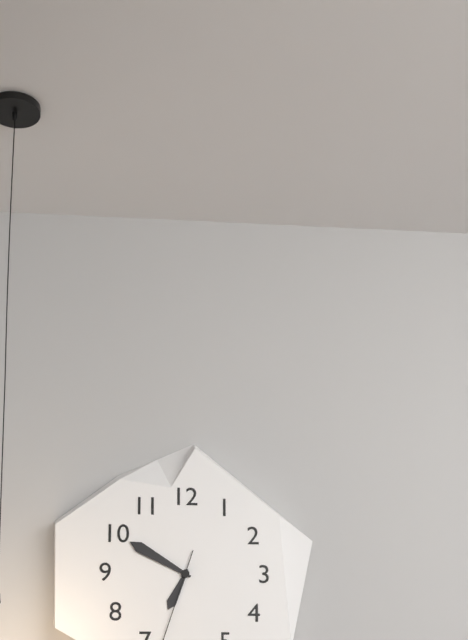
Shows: 6h50
